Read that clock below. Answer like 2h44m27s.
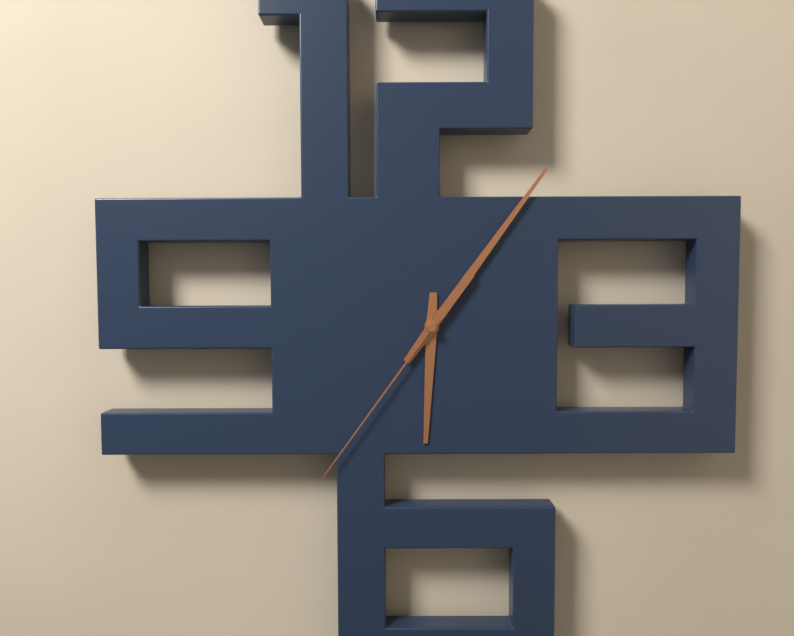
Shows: 6h06m36s
